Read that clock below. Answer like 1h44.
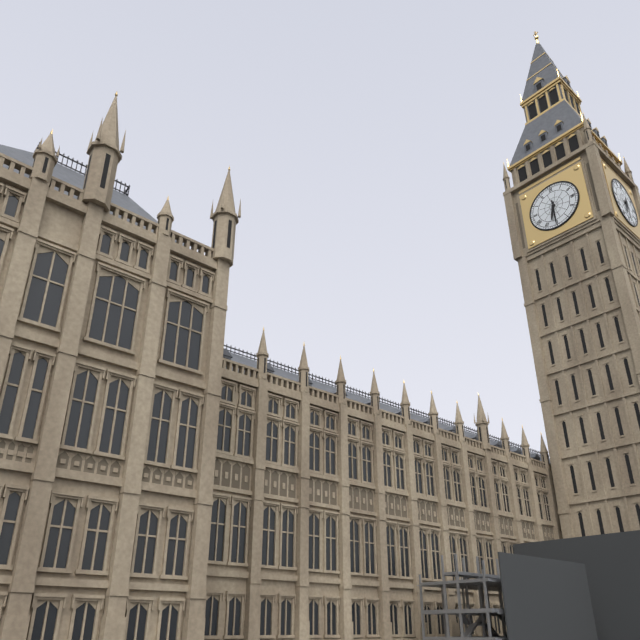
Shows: 6h30
